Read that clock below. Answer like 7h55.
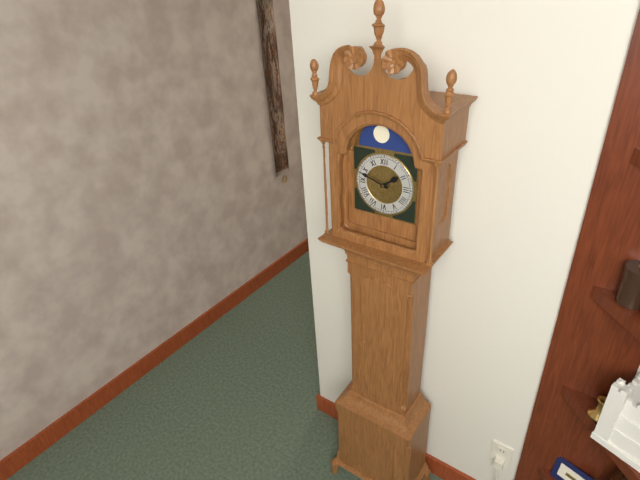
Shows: 1h48
